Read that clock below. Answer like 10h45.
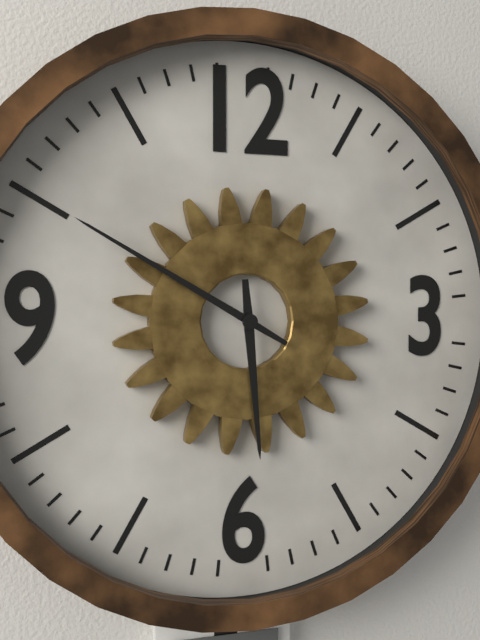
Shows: 5h50
